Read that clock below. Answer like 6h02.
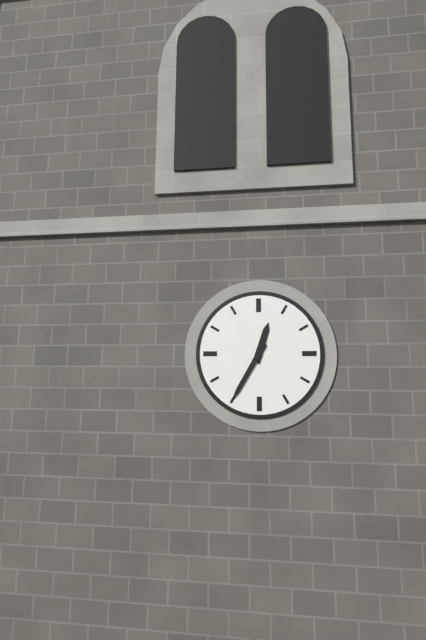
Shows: 12h35
